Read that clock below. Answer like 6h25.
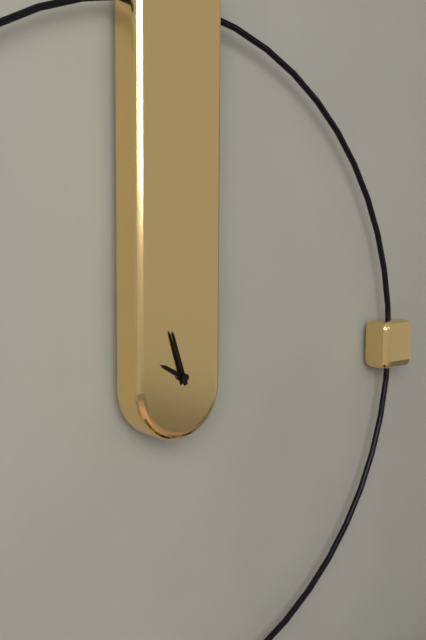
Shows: 9h57
